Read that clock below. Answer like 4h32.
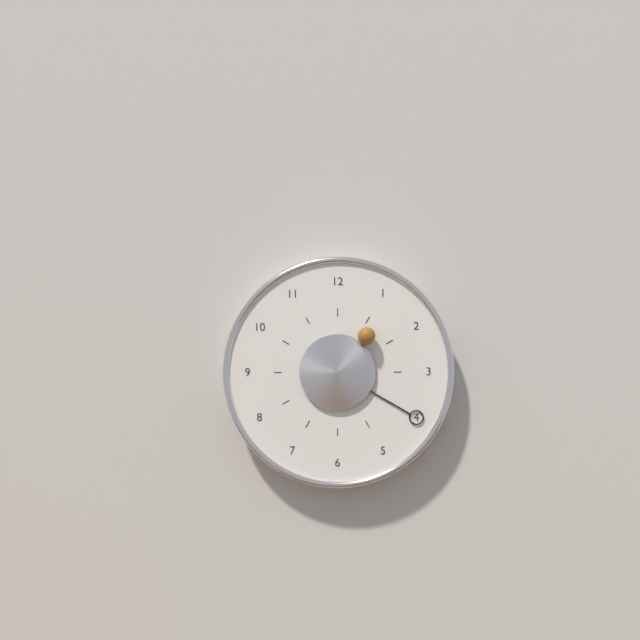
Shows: 1h20
